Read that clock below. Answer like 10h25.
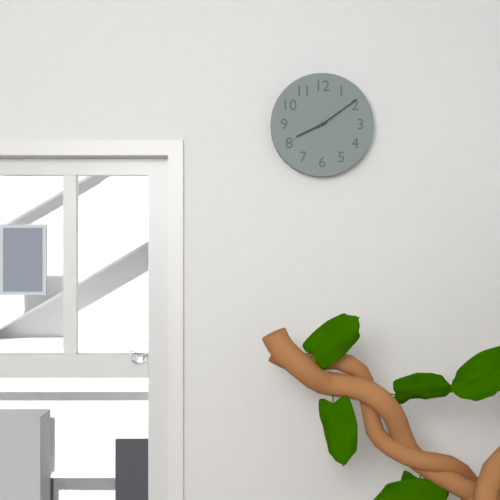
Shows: 8h09
